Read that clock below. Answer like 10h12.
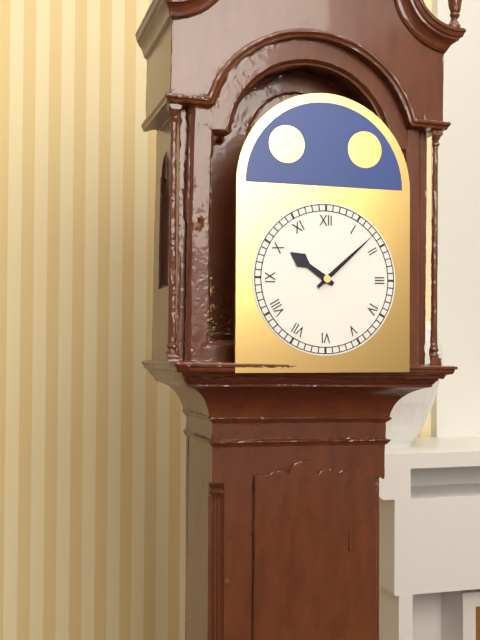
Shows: 10h08
